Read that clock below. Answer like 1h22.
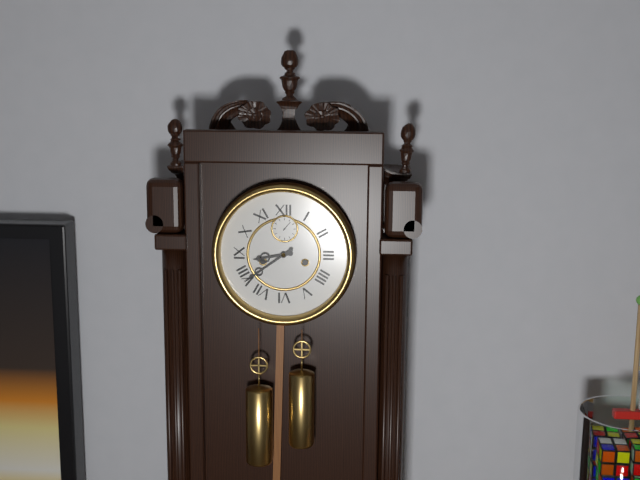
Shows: 8h39
